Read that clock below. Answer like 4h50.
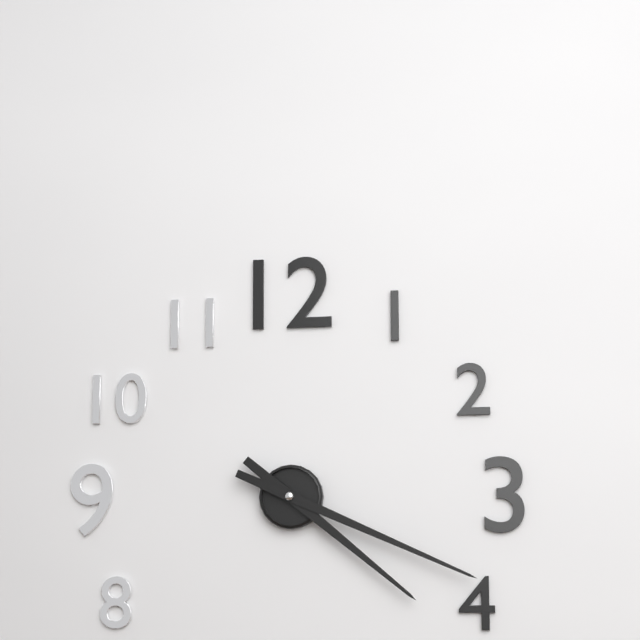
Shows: 4h19
